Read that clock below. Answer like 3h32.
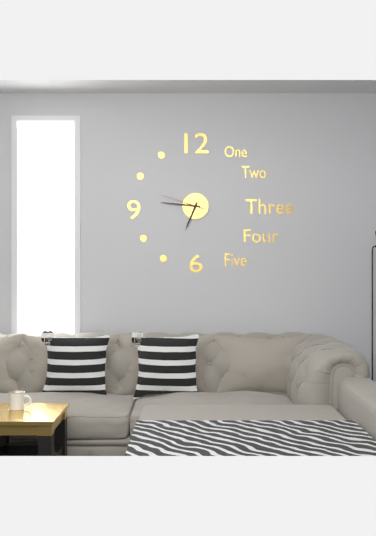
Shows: 6h46
